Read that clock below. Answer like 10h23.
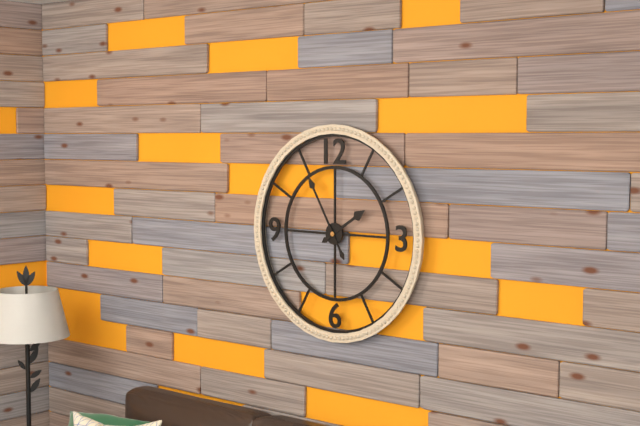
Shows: 1h55
